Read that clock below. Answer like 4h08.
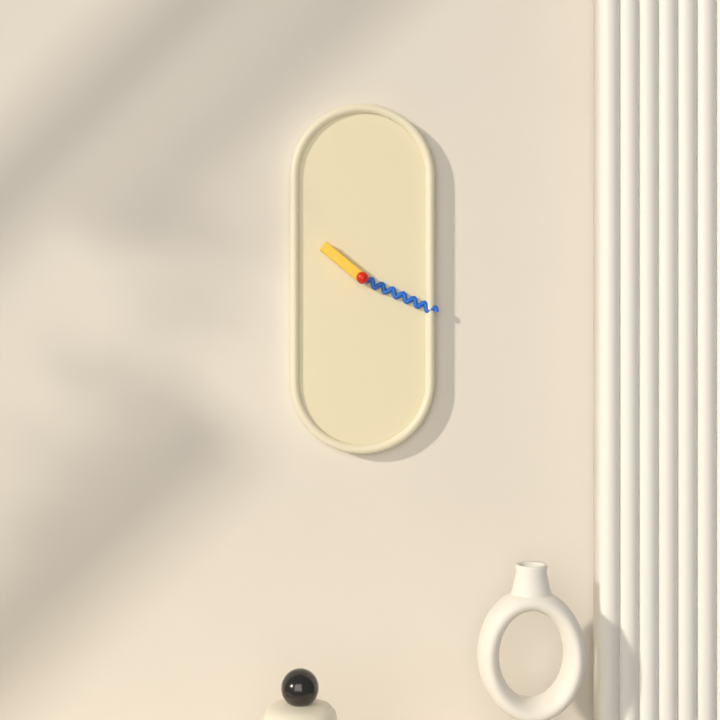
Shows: 10h19
